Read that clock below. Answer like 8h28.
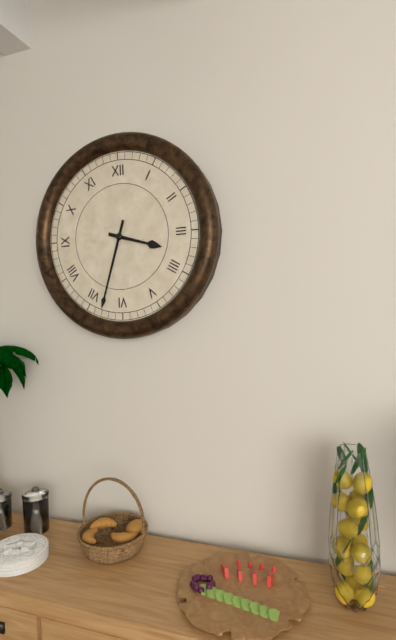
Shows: 3h33
